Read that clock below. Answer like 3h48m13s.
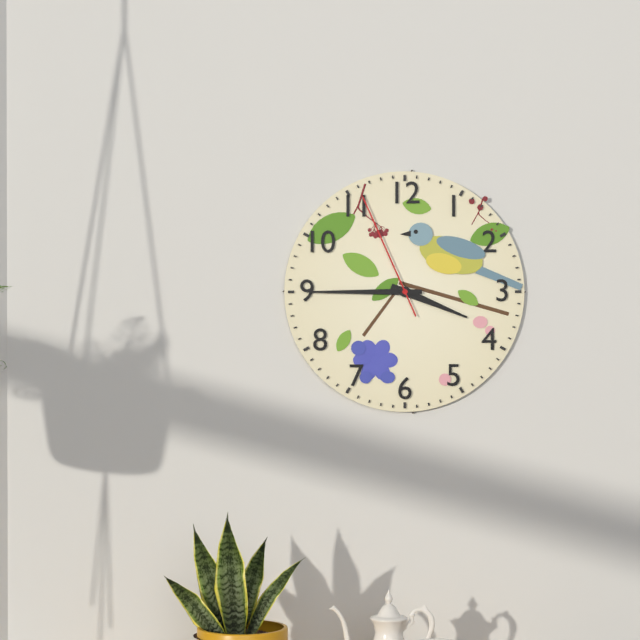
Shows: 3h45m56s
